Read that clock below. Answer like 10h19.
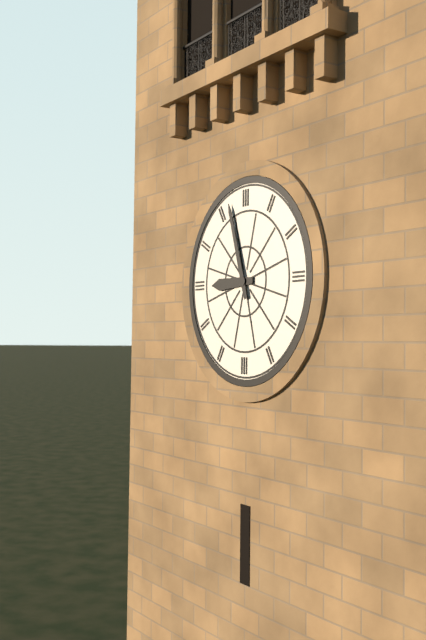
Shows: 8h57
